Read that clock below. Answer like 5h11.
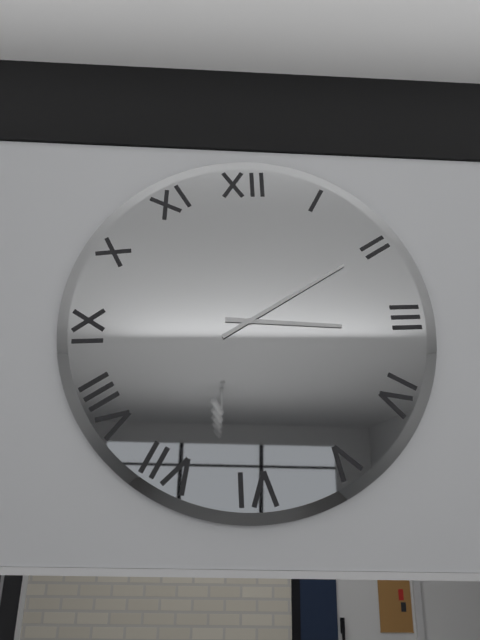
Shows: 3h10
